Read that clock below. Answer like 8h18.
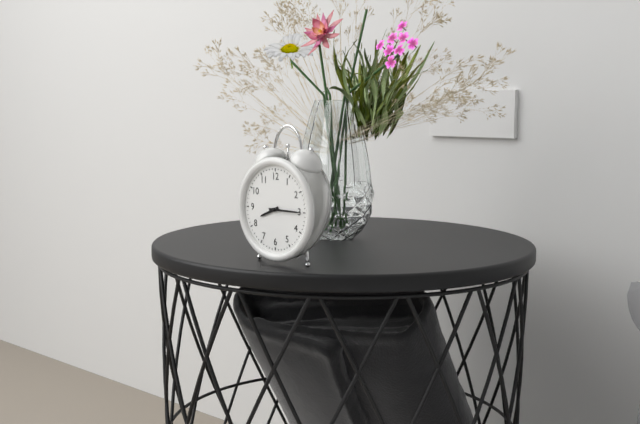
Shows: 8h15
